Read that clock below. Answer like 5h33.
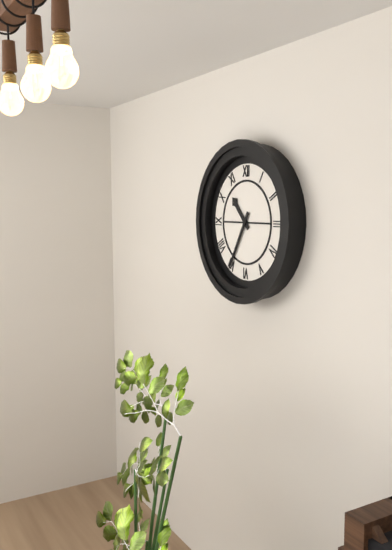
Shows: 10h35
